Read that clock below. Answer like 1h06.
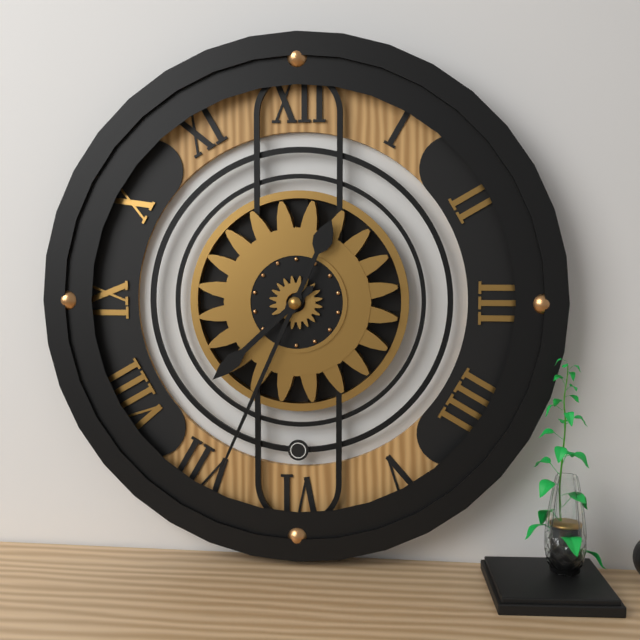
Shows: 7h34
